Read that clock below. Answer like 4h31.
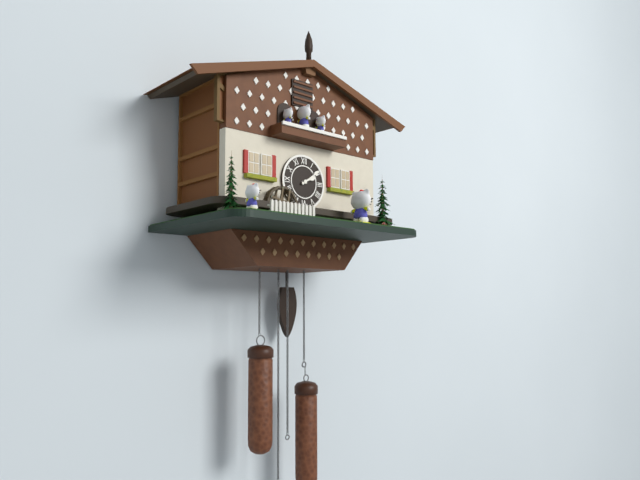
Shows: 2h09
